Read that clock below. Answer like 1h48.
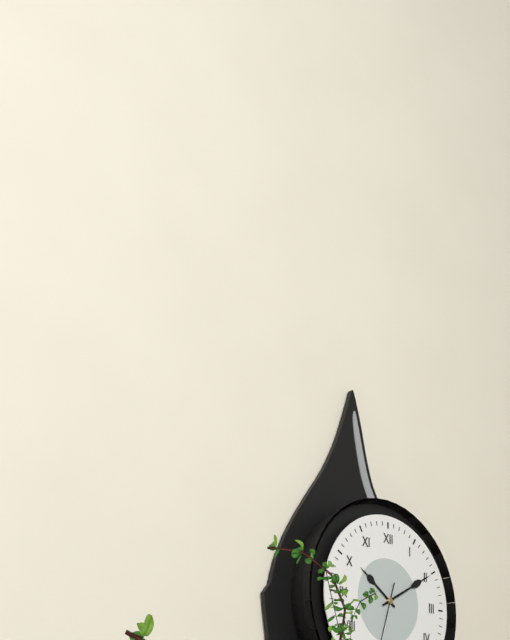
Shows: 10h10
